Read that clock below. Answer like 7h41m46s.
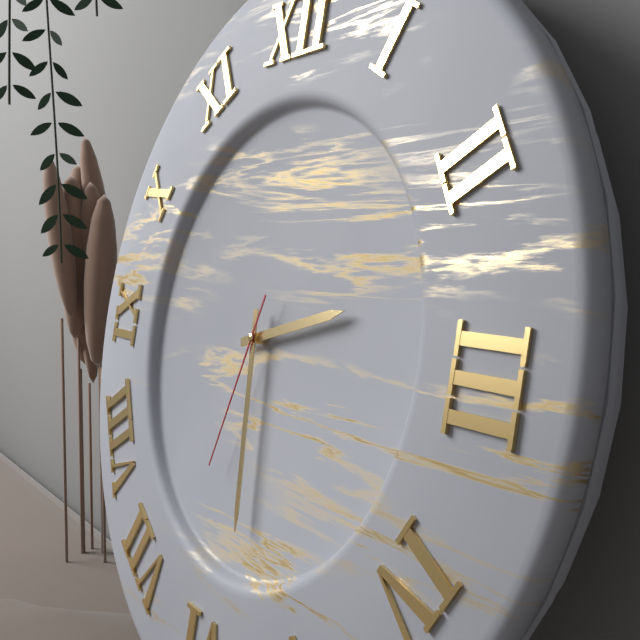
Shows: 2h29m33s
